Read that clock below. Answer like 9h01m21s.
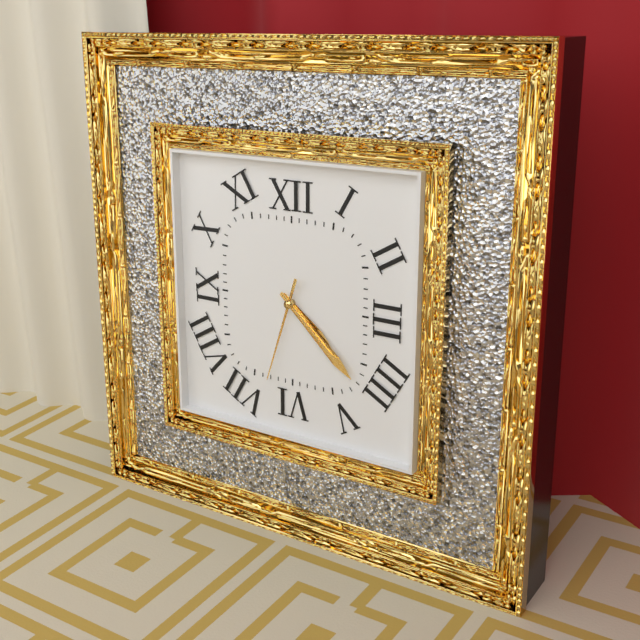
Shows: 4h22m33s
